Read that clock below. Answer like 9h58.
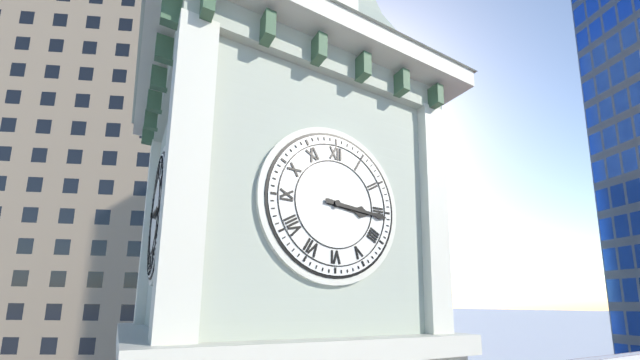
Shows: 3h16
